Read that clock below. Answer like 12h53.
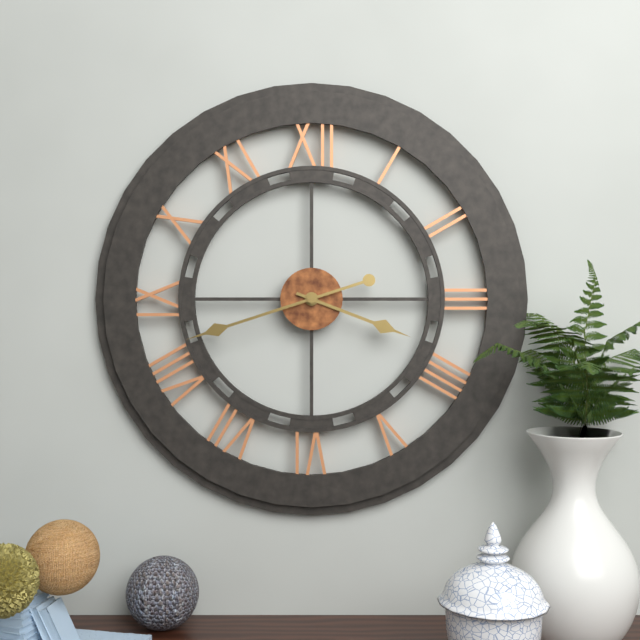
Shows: 3h42
